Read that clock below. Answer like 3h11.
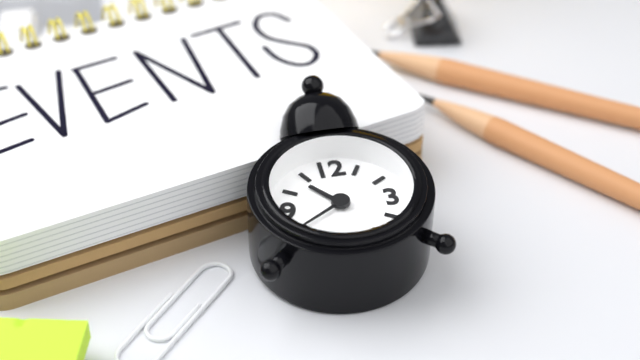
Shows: 10h40
